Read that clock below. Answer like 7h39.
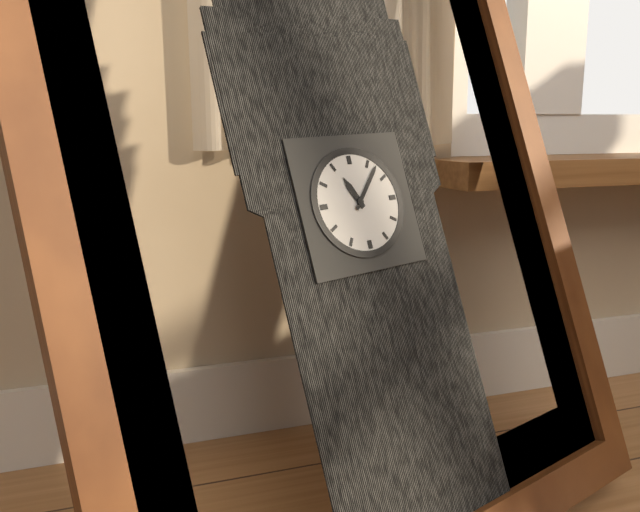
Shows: 11h07
